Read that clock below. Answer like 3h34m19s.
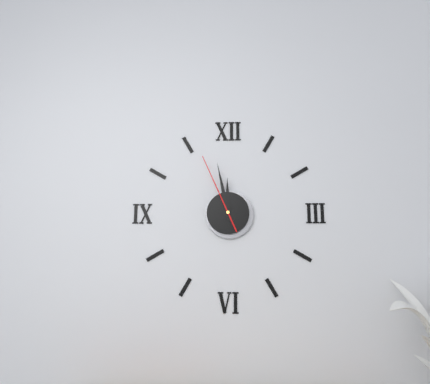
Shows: 11h58m56s
